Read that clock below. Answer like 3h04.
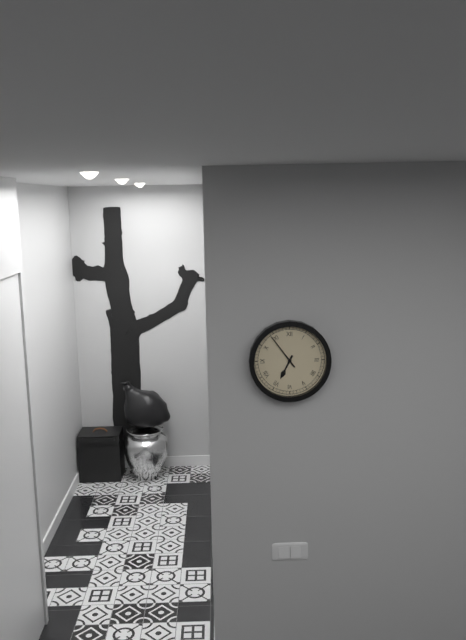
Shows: 6h54
